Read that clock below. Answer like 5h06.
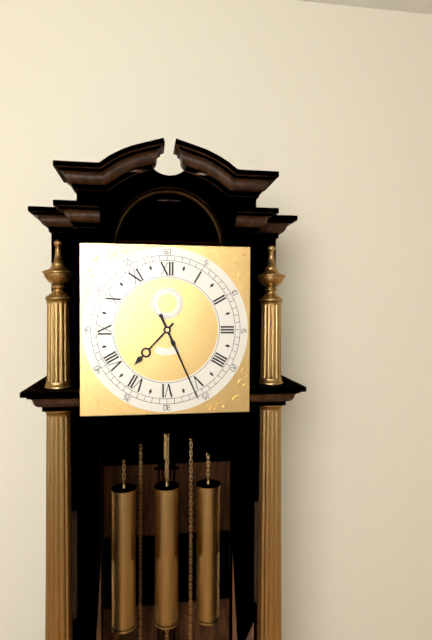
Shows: 7h26
